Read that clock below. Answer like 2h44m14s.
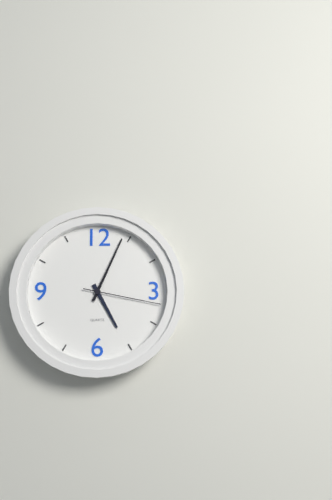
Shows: 5h04m17s
